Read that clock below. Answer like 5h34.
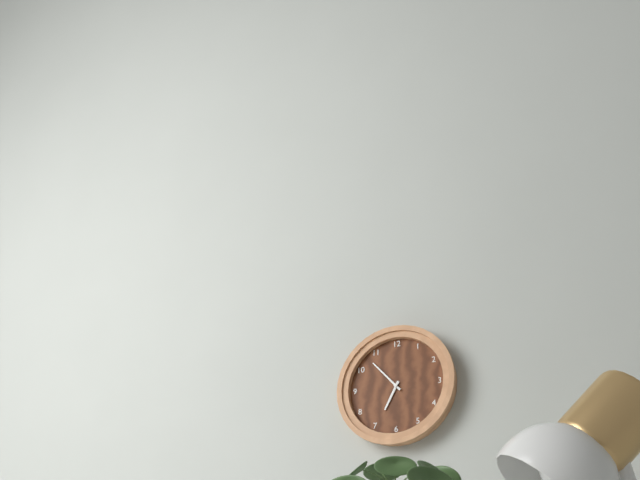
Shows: 6h53
